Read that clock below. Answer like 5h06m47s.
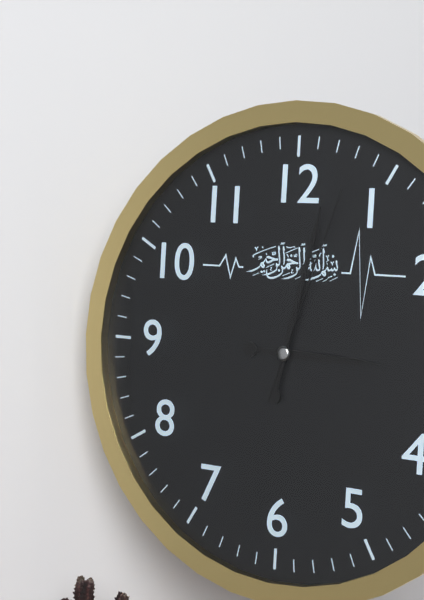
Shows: 3h02m03s
